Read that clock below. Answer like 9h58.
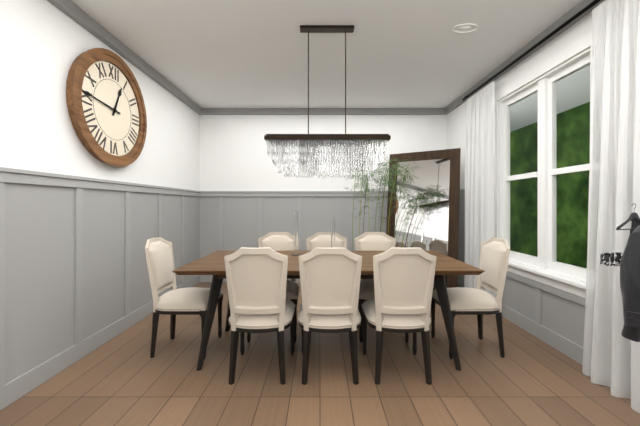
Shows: 12h46
